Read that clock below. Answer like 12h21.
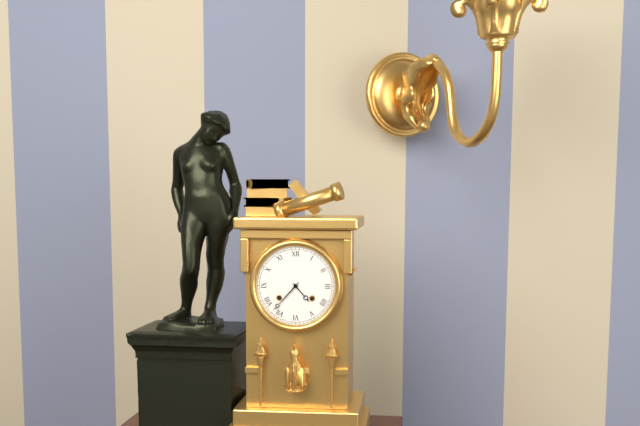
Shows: 4h37
